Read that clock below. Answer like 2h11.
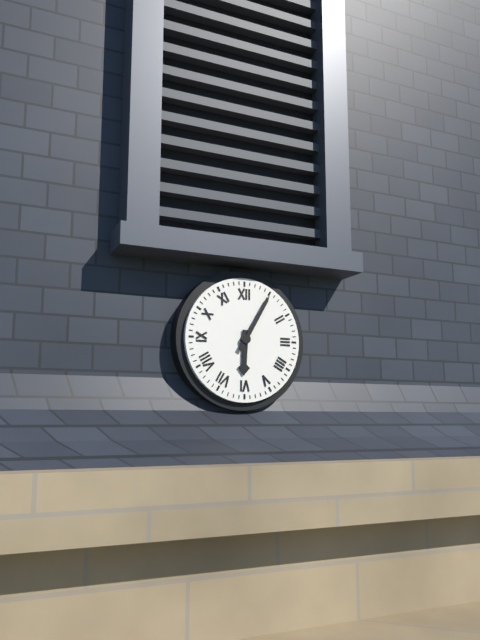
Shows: 6h05
